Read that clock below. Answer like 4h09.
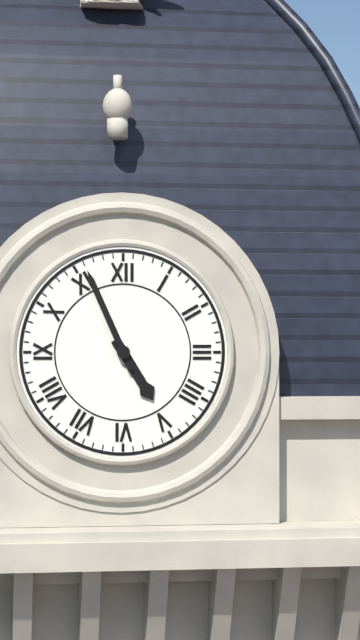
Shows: 4h56
